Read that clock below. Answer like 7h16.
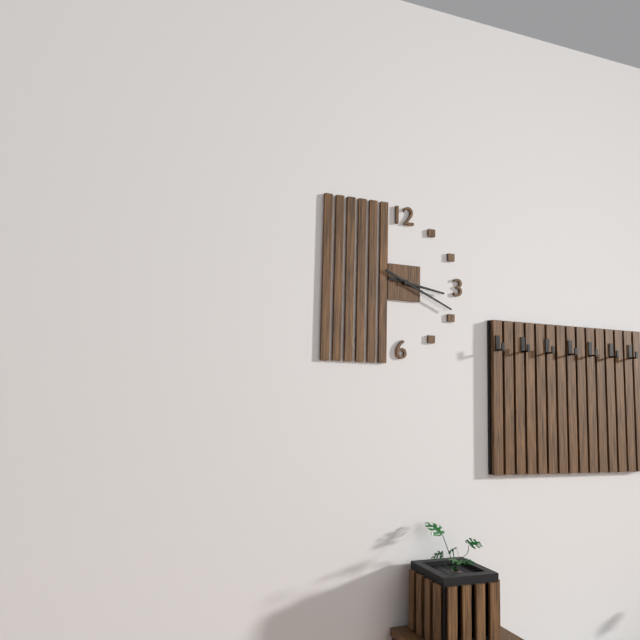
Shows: 3h19
